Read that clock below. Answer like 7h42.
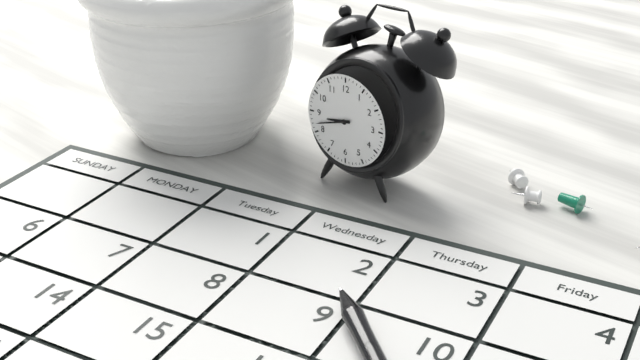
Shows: 8h42
